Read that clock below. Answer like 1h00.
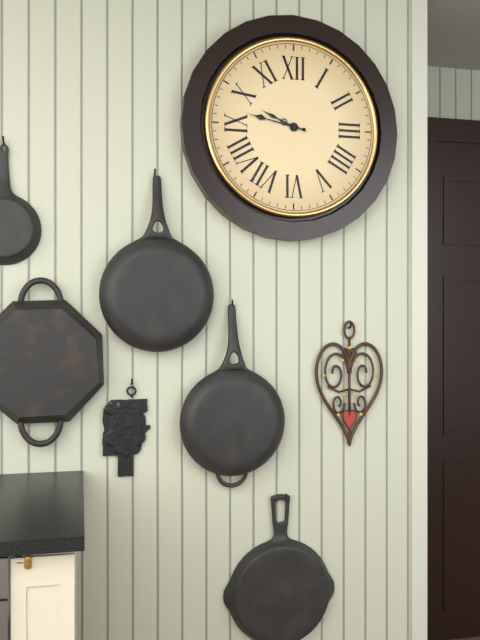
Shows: 9h47
